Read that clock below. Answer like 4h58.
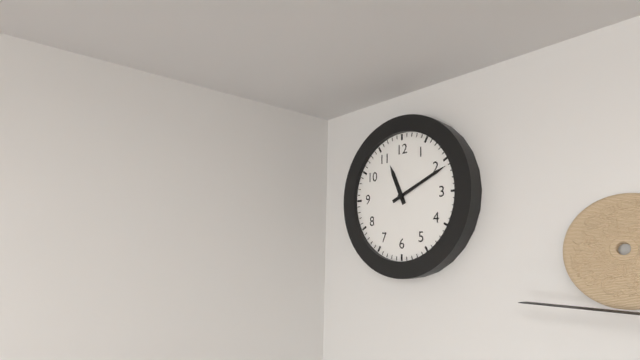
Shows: 11h11
